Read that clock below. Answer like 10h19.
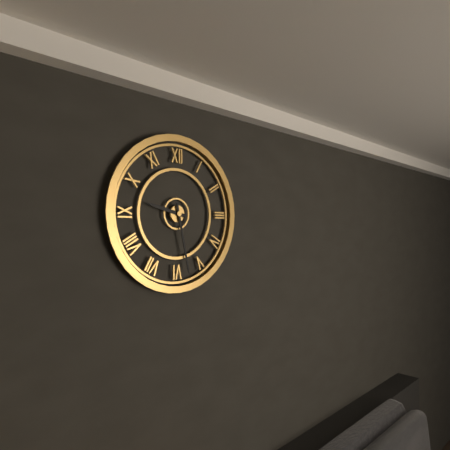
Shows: 9h28
